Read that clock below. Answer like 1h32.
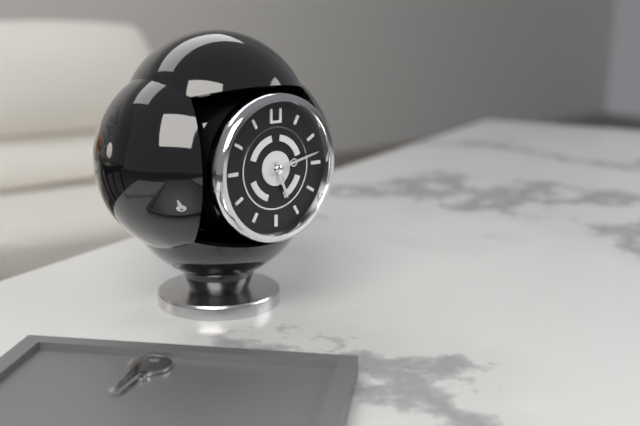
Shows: 5h13
